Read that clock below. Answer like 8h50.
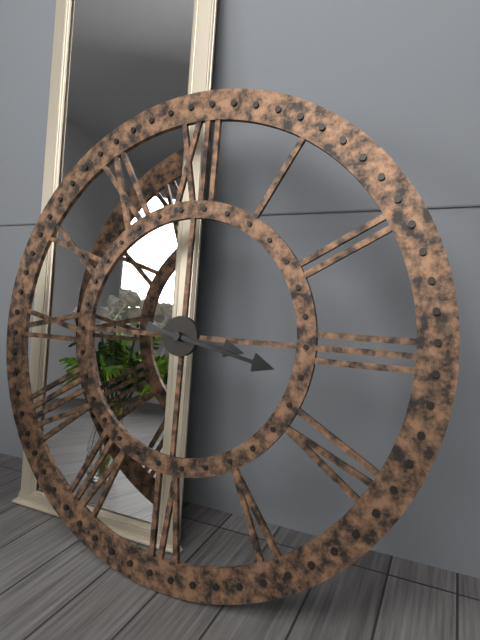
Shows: 3h17
